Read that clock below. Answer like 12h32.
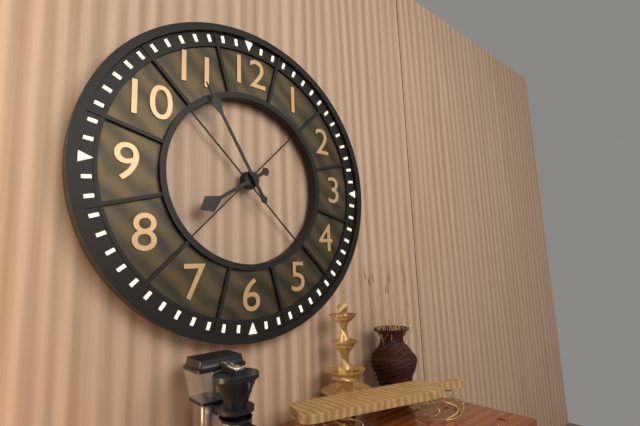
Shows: 7h55
